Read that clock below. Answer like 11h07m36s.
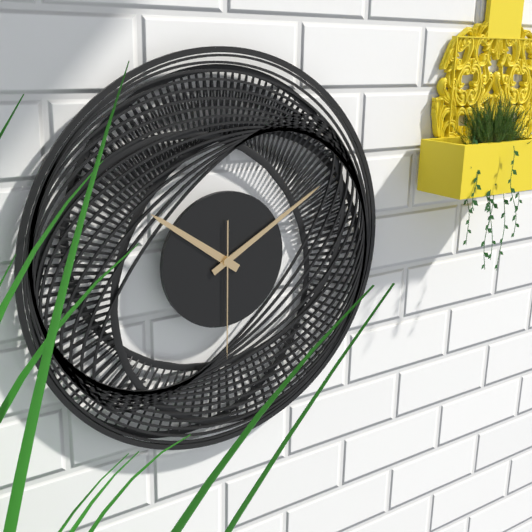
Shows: 10h10m30s
